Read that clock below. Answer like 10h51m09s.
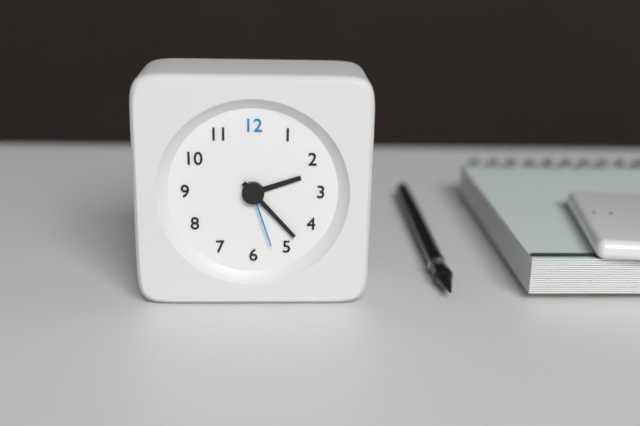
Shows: 2h23m27s
